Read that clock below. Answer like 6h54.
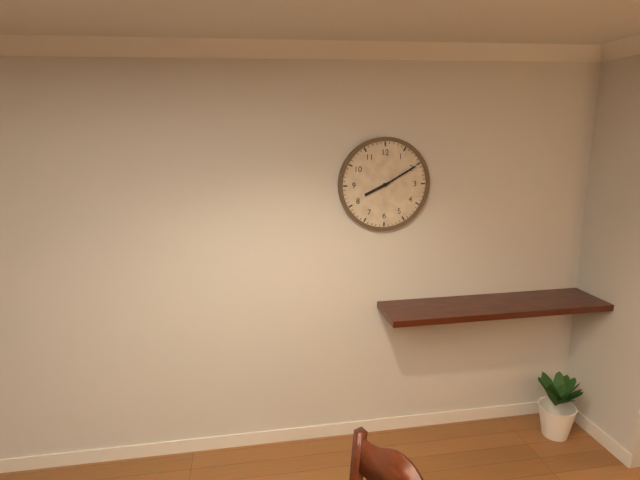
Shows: 8h10
